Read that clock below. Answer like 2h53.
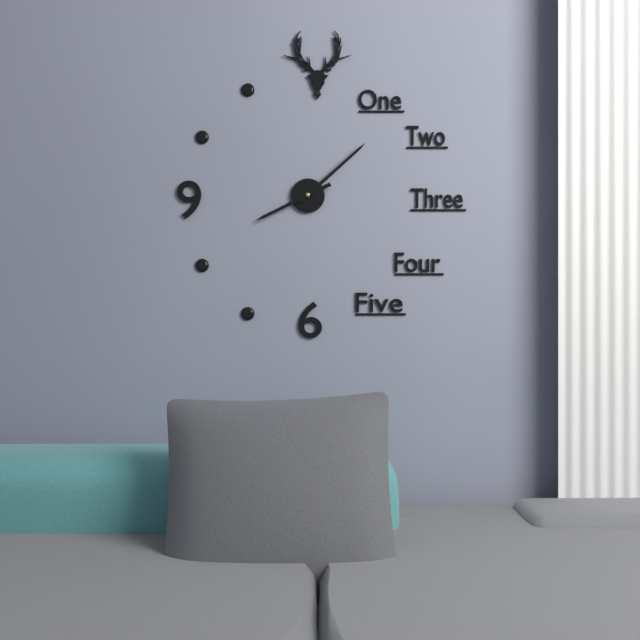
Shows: 8h08
